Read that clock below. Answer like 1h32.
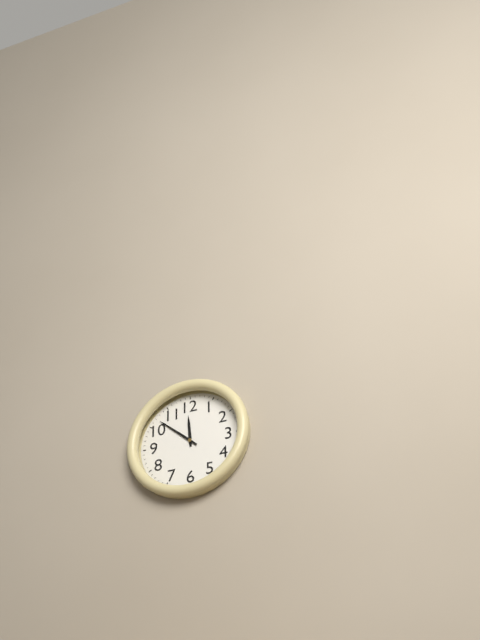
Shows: 11h52
